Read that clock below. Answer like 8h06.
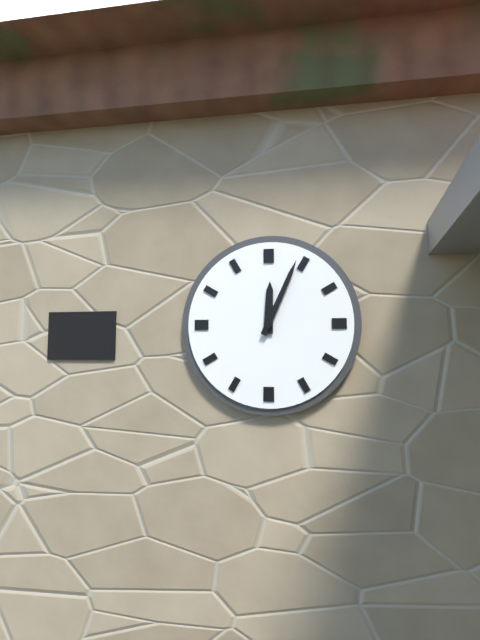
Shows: 12h04
